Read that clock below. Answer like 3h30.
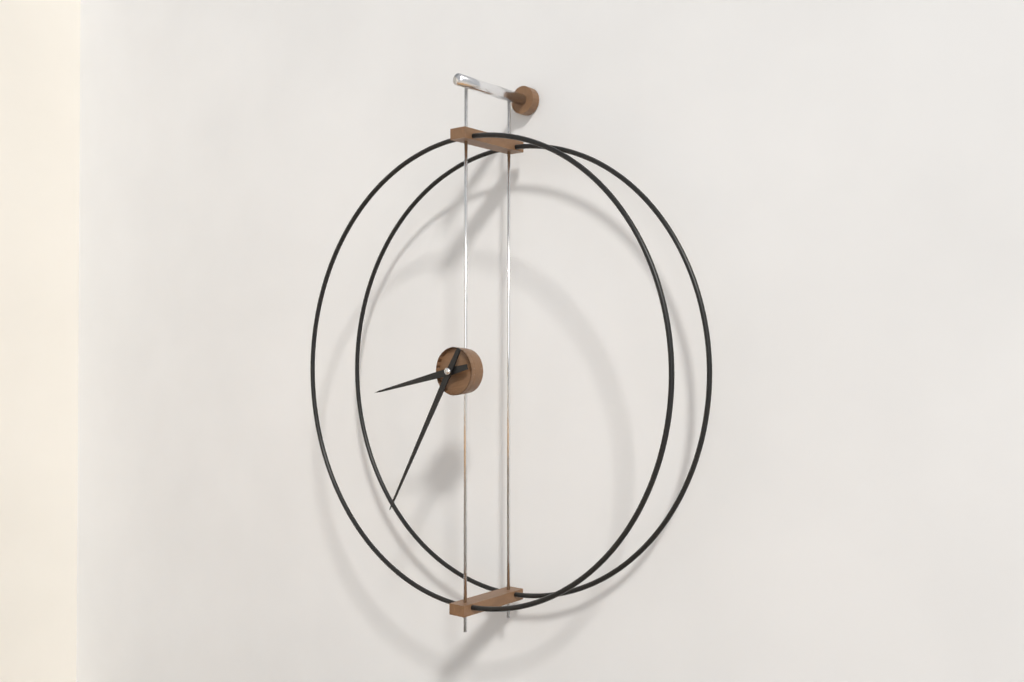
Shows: 8h35
